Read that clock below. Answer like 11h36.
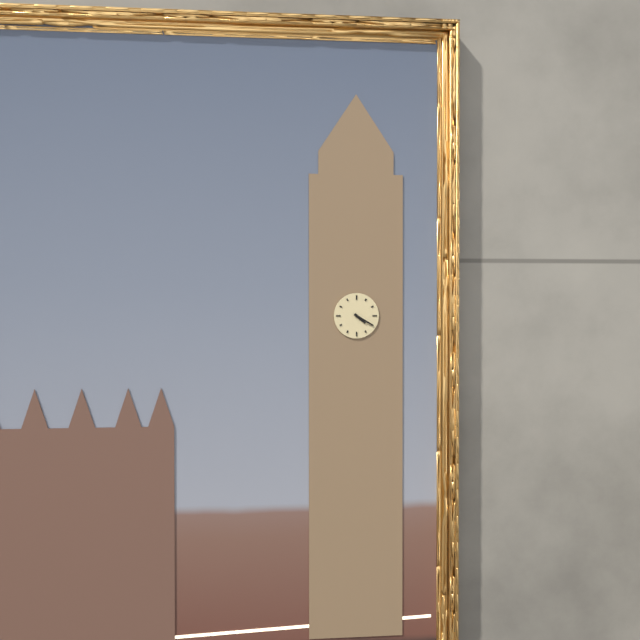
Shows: 4h20
